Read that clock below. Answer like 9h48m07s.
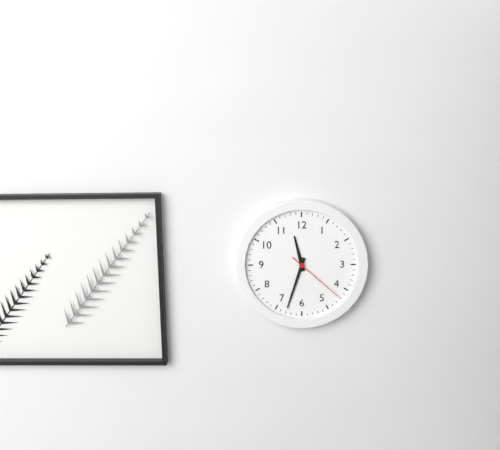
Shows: 11h33m22s
